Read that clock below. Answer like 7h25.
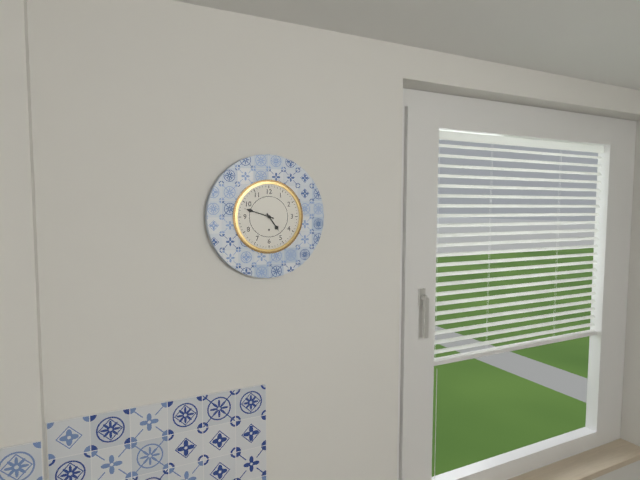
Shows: 4h48
